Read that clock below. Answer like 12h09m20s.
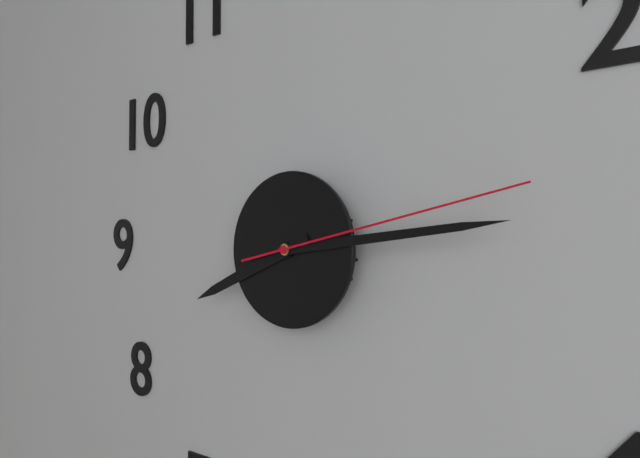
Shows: 8h14m13s
